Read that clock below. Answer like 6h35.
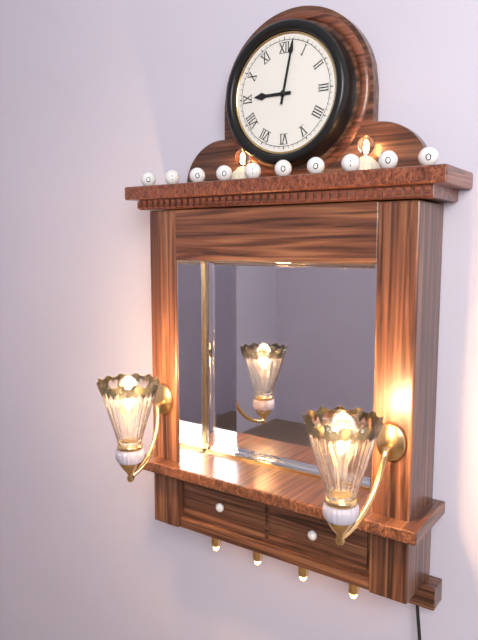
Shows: 9h02
